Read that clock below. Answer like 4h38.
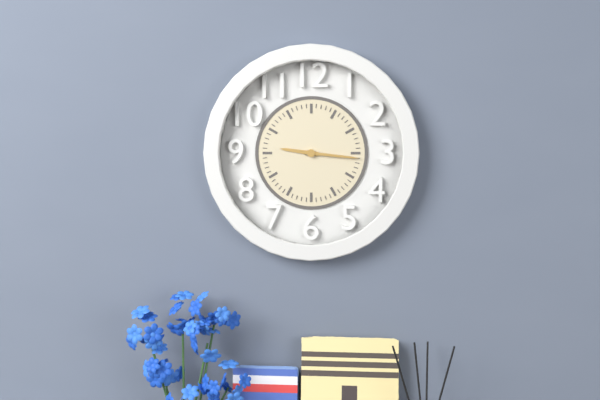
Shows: 9h16
